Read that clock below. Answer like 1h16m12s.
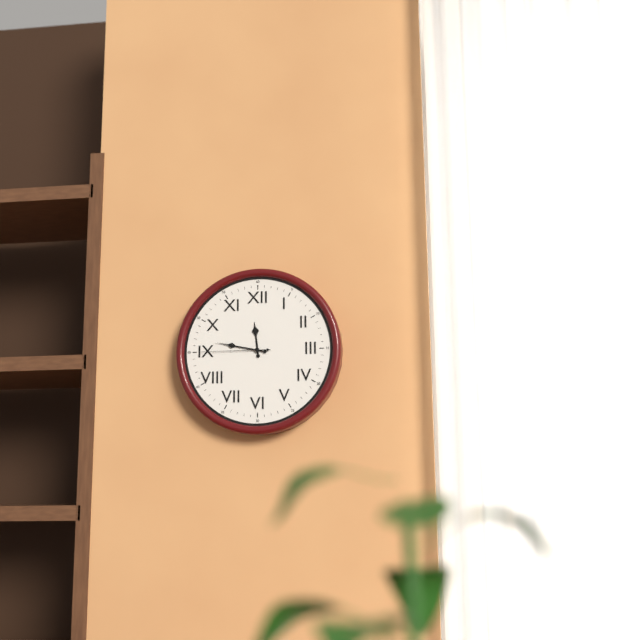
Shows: 11h47m45s
